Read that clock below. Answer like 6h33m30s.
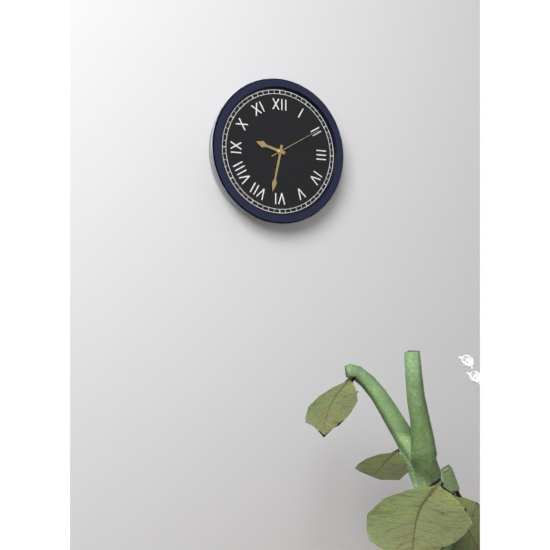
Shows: 9h32m10s
